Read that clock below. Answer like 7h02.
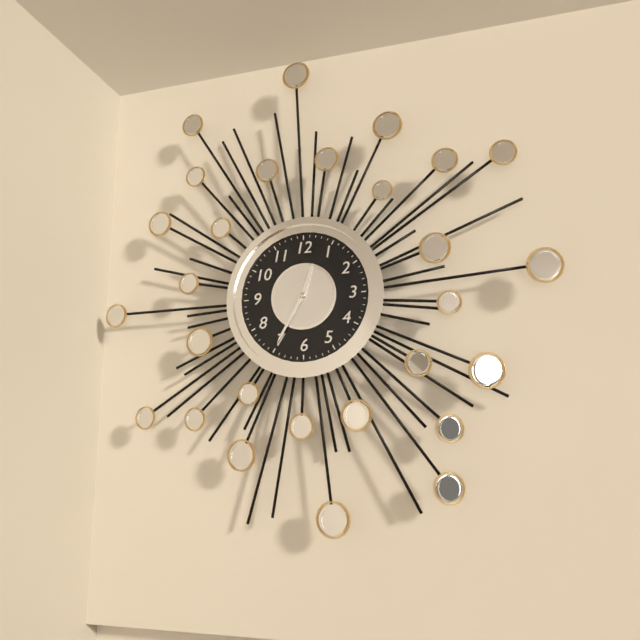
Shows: 12h35
